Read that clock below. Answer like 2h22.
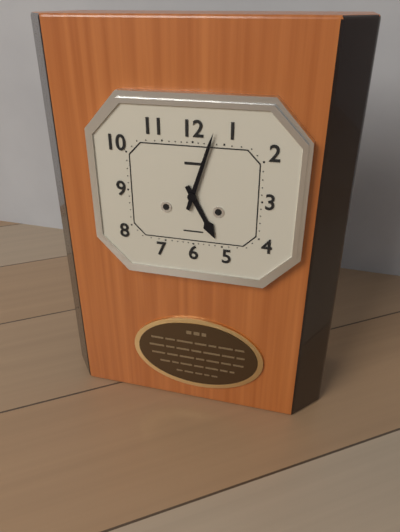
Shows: 5h03
